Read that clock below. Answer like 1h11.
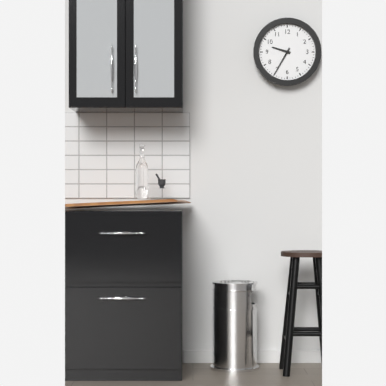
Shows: 9h35
